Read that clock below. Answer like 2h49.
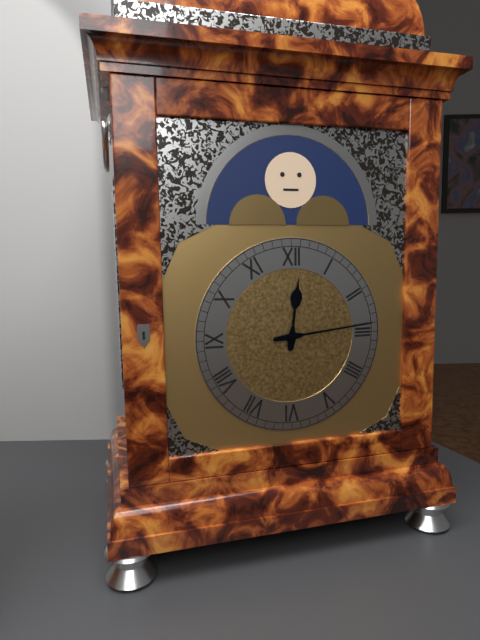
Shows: 12h14
